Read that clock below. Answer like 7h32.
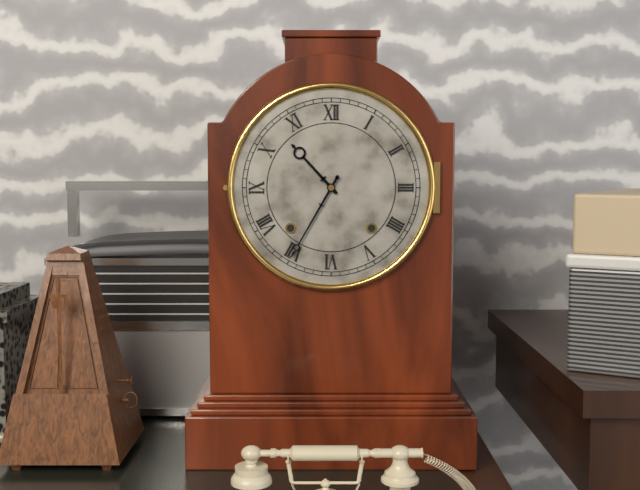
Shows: 10h35
